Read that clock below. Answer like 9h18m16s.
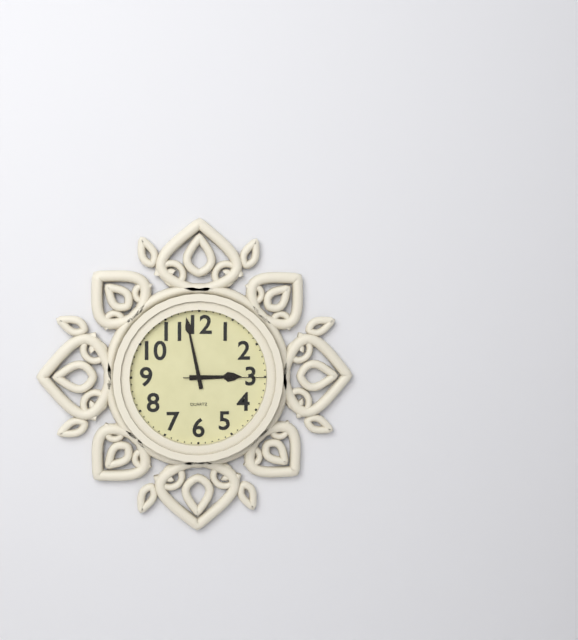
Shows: 2h58m15s
